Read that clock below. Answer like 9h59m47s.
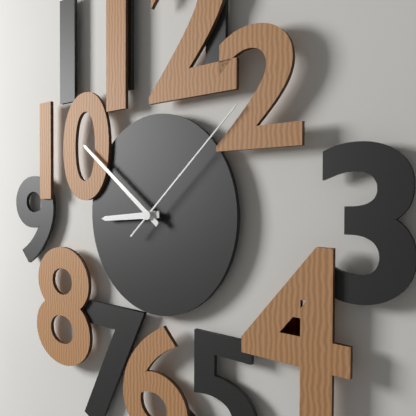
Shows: 8h51m08s
